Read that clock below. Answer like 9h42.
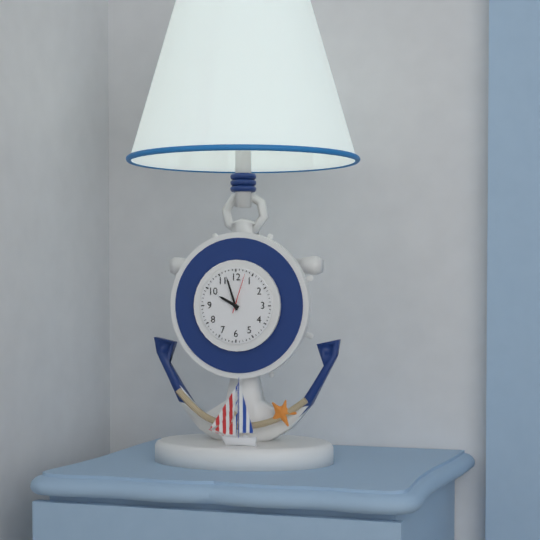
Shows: 9h57
